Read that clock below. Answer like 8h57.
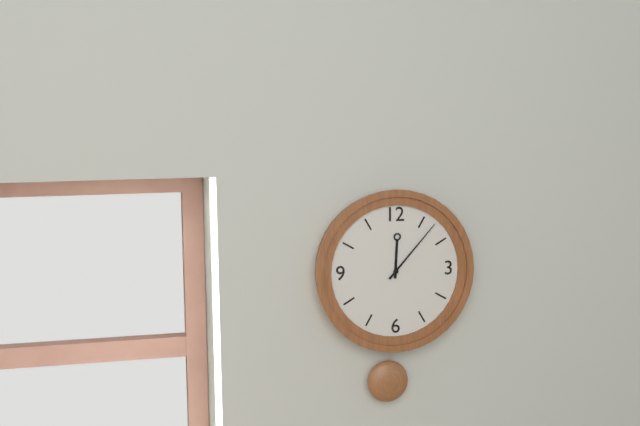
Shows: 12h07
